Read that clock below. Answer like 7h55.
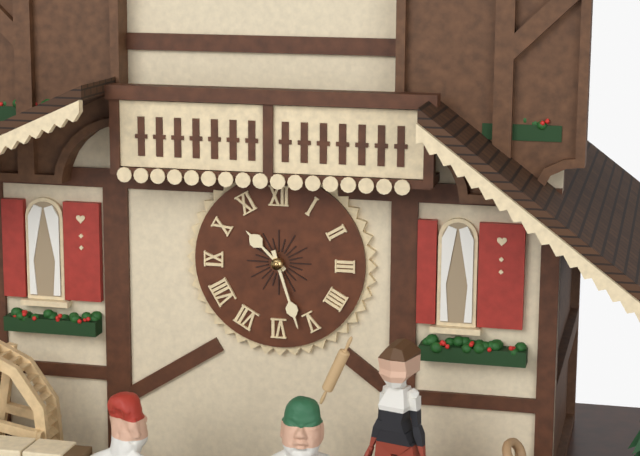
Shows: 10h27
